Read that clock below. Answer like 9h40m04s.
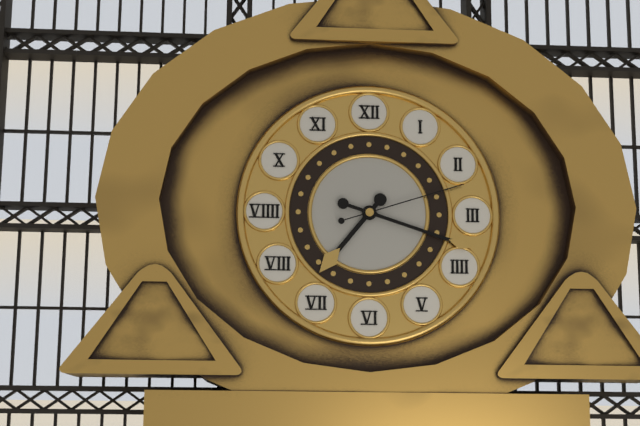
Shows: 7h18m12s
